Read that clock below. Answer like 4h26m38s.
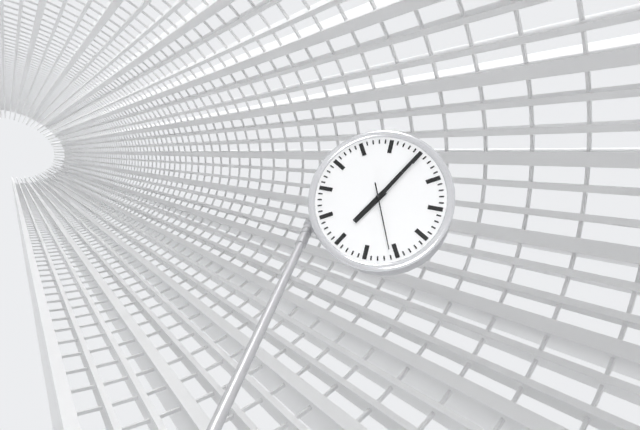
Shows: 7h05m26s
